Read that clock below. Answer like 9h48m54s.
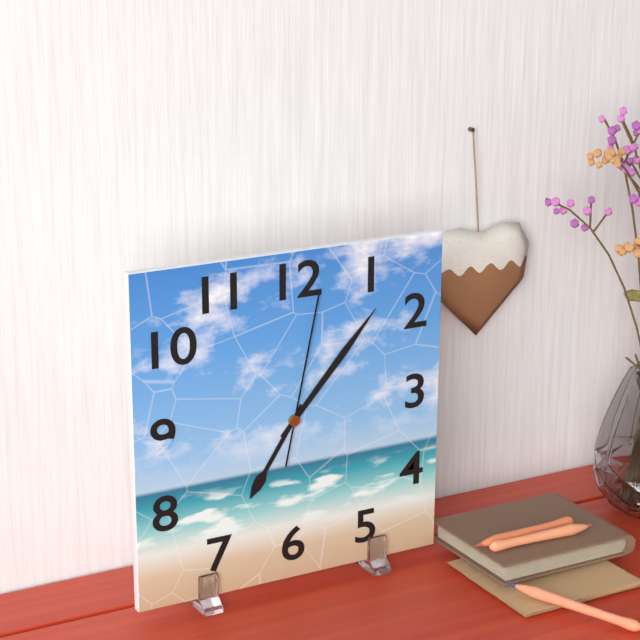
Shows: 7h07m02s
